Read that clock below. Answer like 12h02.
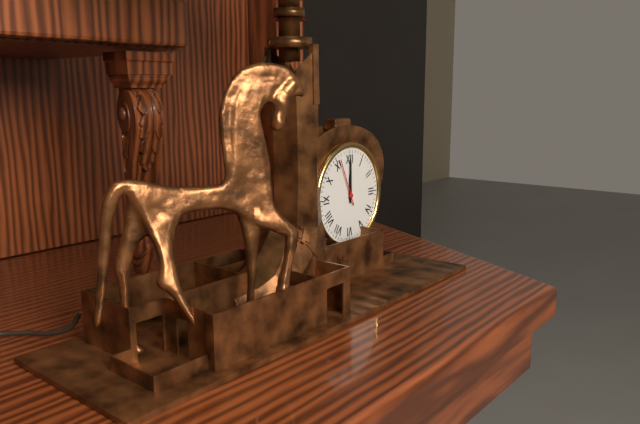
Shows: 12h00
